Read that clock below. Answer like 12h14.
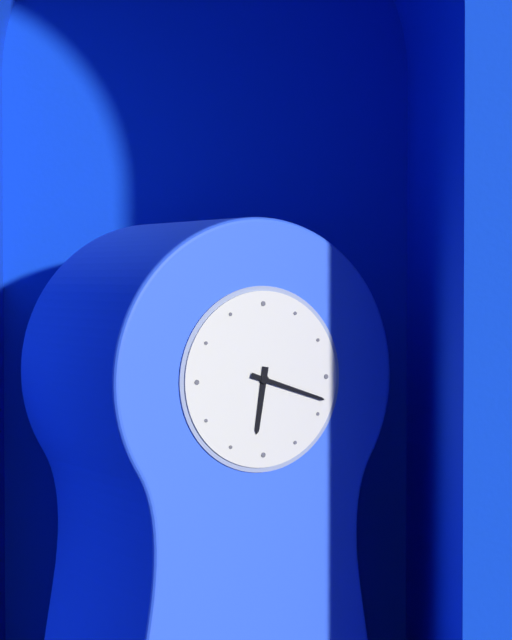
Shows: 6h18
